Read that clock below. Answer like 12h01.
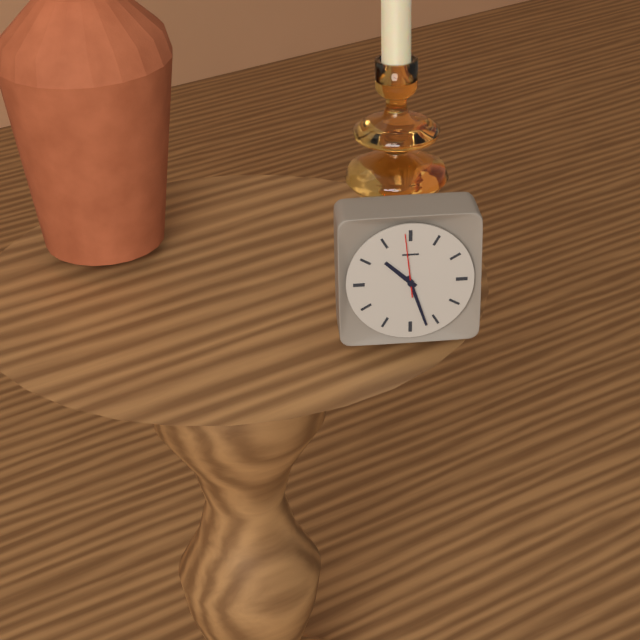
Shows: 10h27
